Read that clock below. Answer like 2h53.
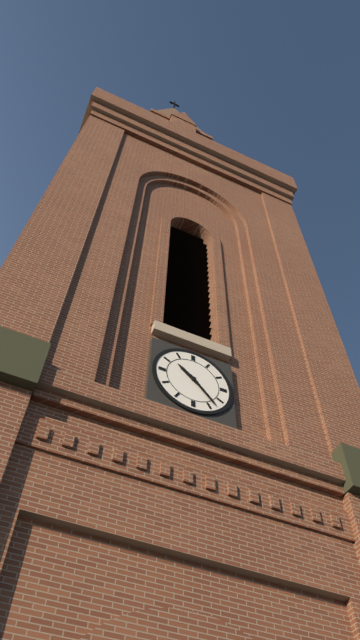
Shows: 10h23
